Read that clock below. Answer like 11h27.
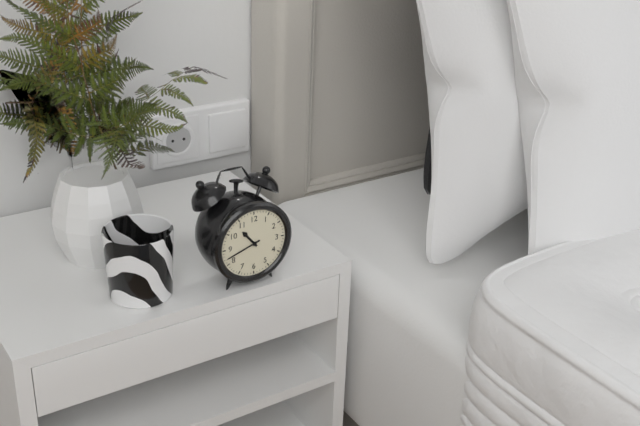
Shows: 10h42
